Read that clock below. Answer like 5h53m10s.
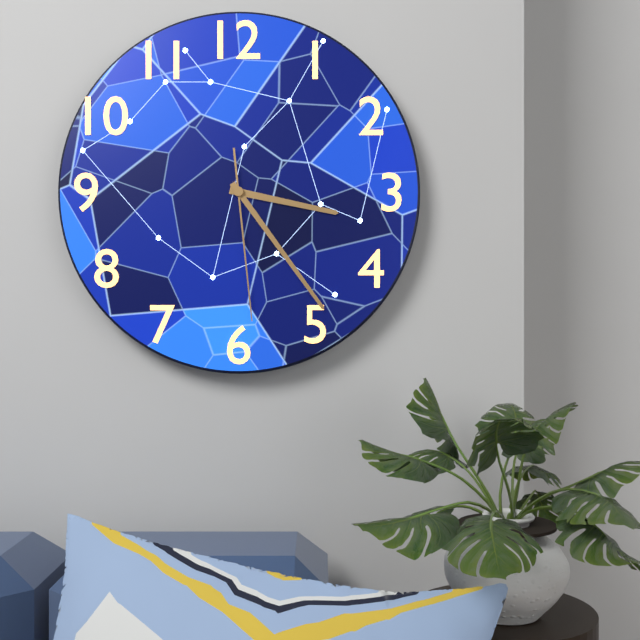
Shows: 3h24m29s
